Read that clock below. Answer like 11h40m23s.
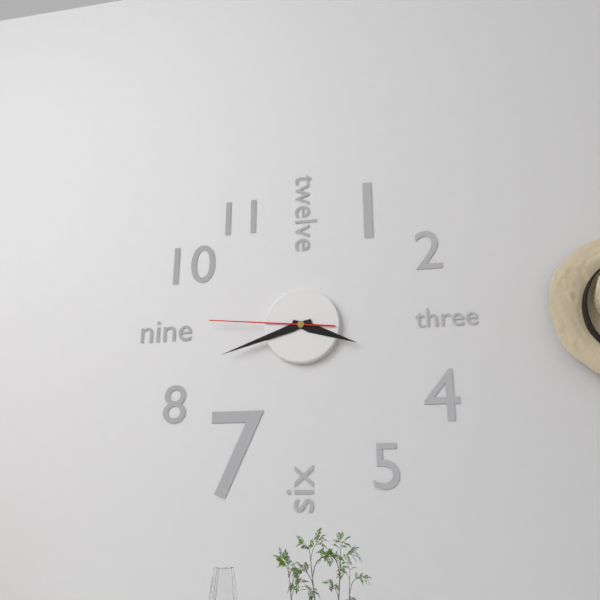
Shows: 3h42m46s
